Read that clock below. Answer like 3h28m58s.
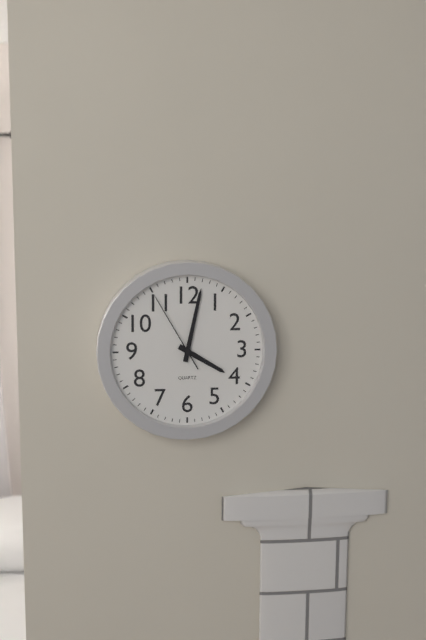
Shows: 4h02m55s
